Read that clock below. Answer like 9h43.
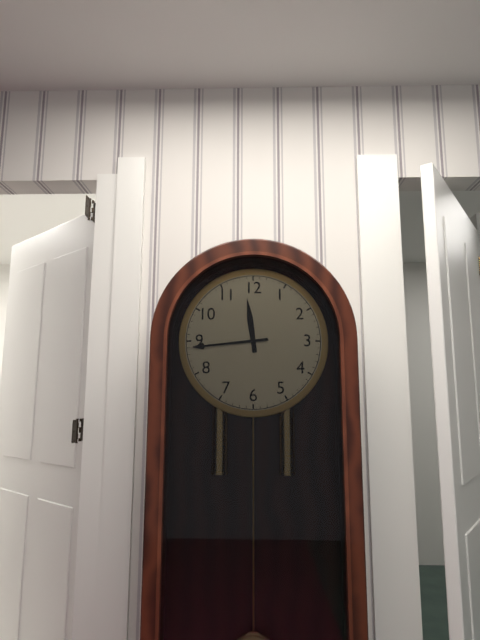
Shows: 11h44
